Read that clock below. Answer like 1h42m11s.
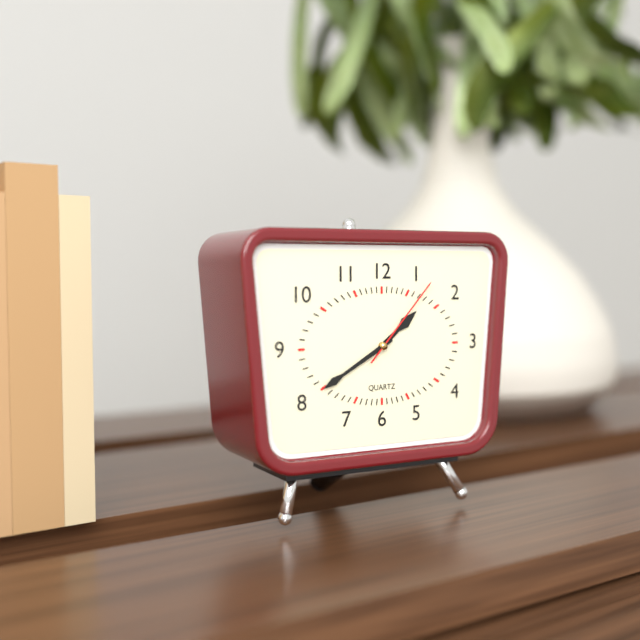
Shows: 1h40m07s
